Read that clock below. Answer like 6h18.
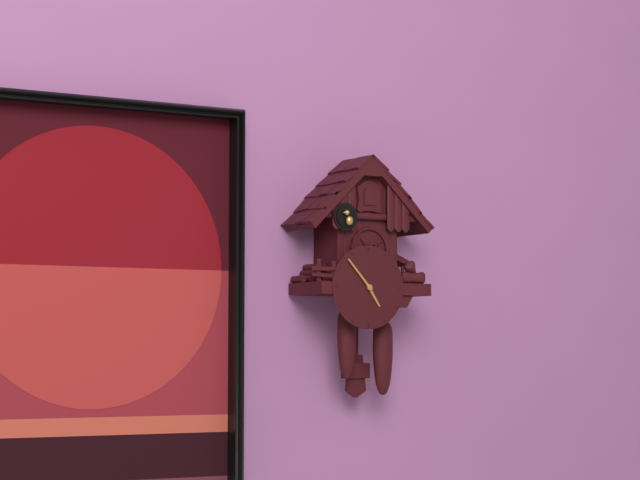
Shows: 4h53
